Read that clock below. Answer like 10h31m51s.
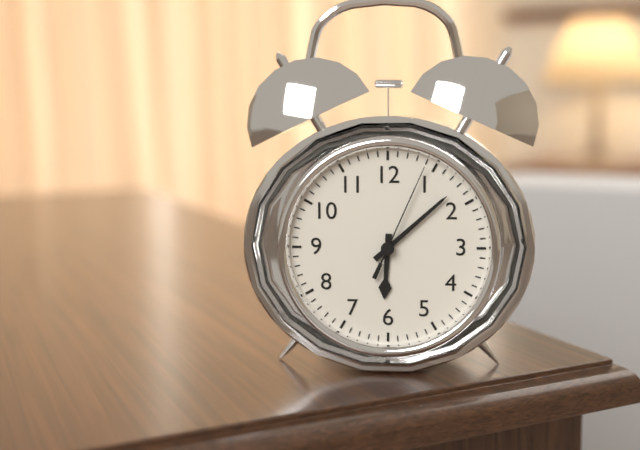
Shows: 6h08m04s
